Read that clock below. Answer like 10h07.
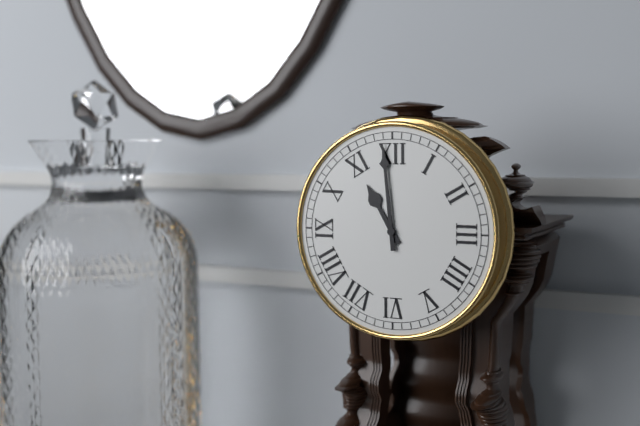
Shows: 10h59
